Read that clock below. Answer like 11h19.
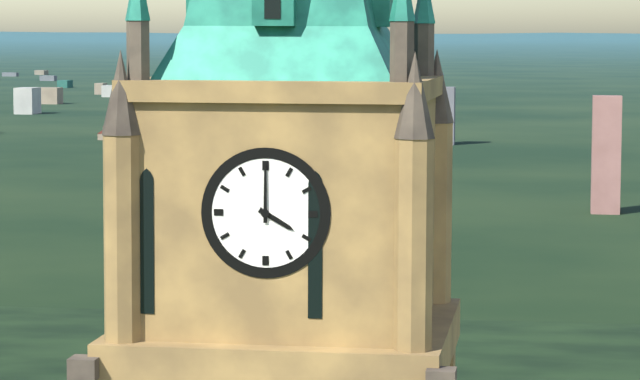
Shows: 4h00
